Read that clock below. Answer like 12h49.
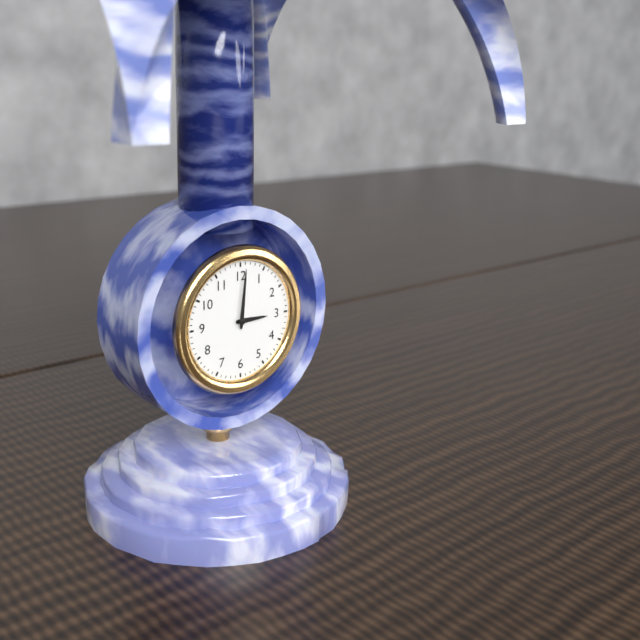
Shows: 3h01
